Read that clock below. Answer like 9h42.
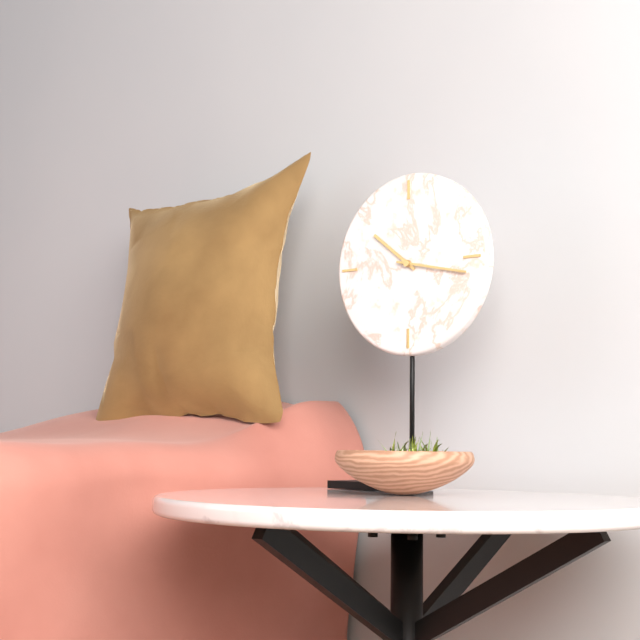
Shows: 10h17
